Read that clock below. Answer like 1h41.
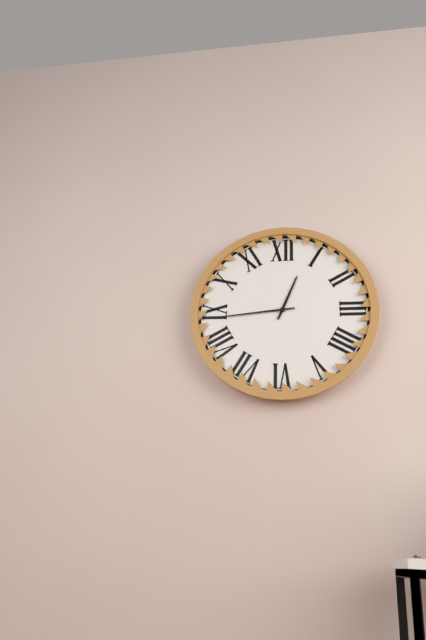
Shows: 12h44
